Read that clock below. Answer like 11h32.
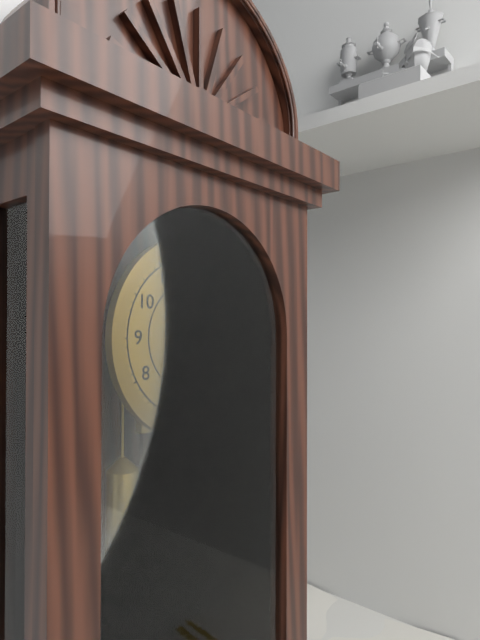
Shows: 3h26
